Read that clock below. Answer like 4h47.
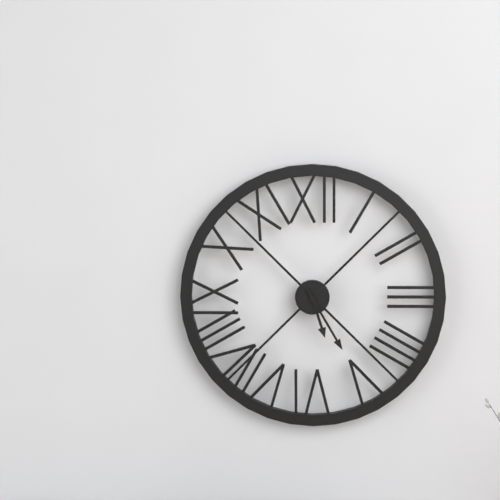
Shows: 5h25
